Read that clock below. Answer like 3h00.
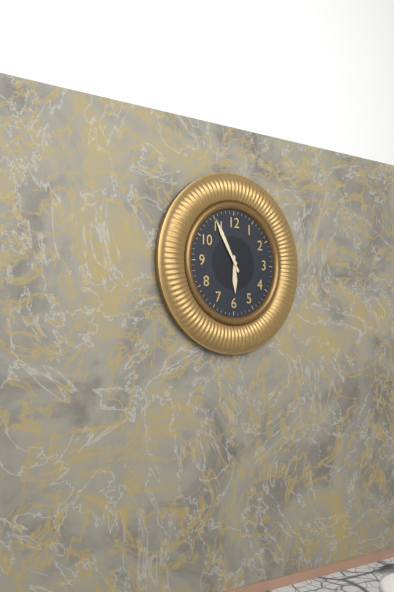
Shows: 5h55
